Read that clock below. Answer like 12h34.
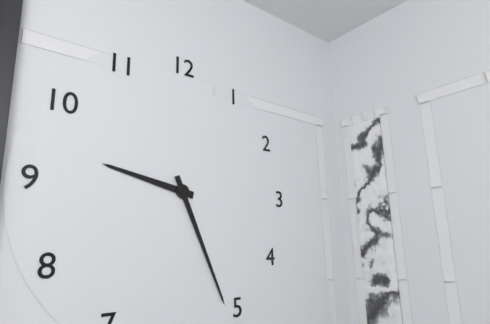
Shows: 9h26
